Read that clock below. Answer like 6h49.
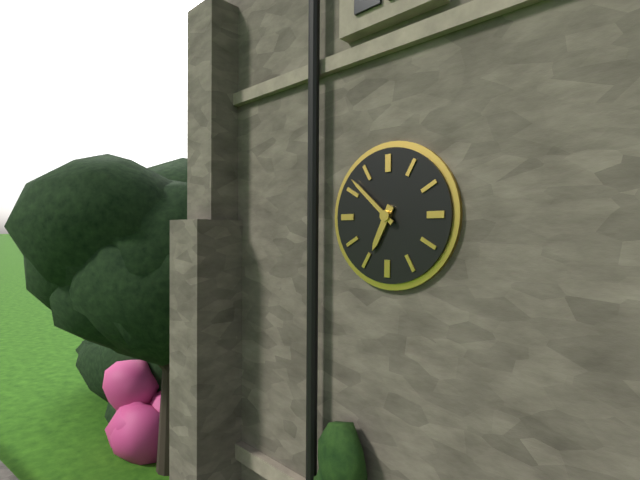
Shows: 6h52
